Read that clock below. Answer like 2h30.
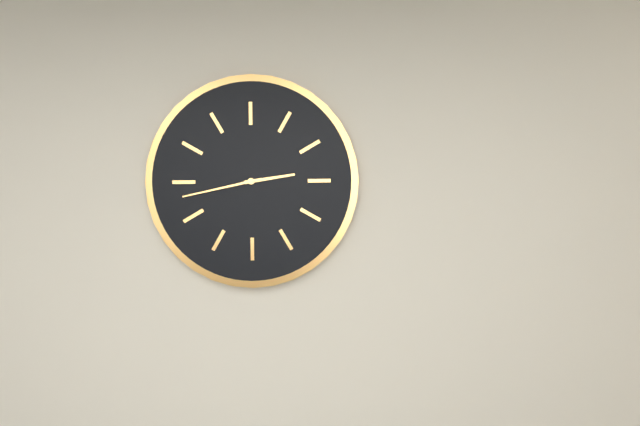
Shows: 2h43
